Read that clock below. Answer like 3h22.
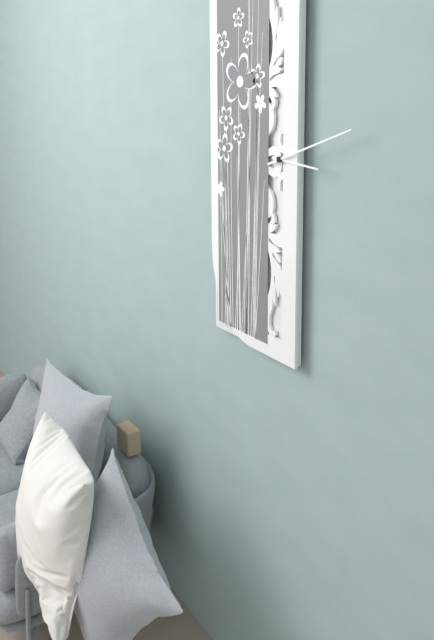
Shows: 3h12
